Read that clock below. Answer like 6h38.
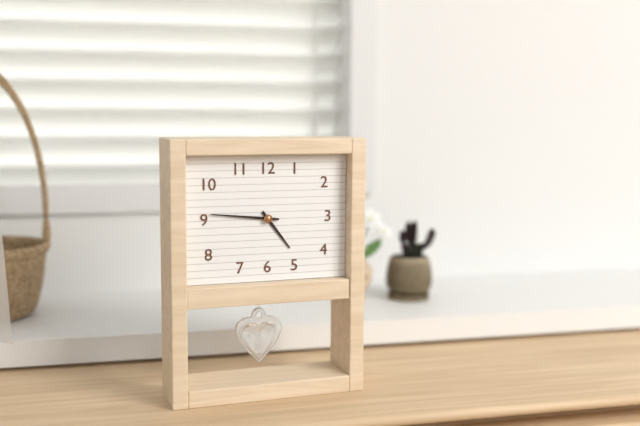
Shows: 4h46
